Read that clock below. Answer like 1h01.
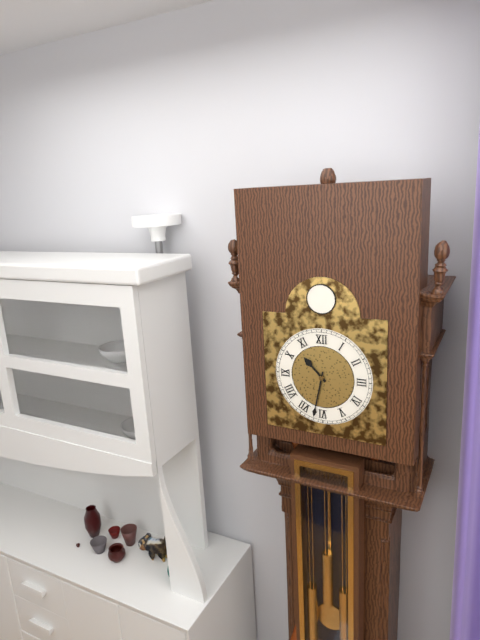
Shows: 10h32
